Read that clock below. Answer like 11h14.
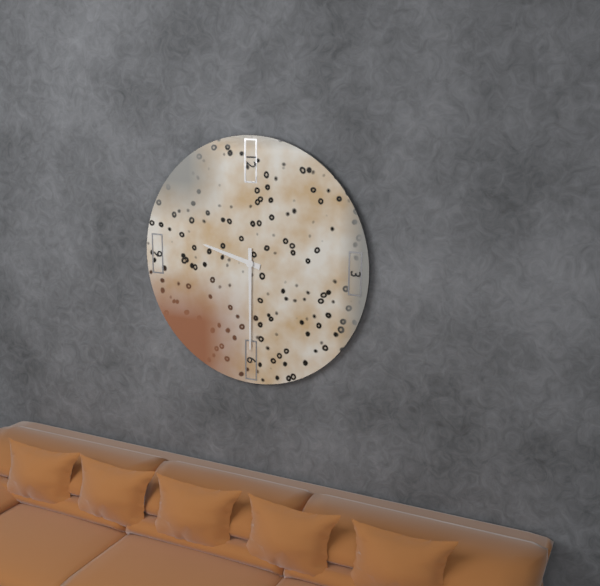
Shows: 9h30
